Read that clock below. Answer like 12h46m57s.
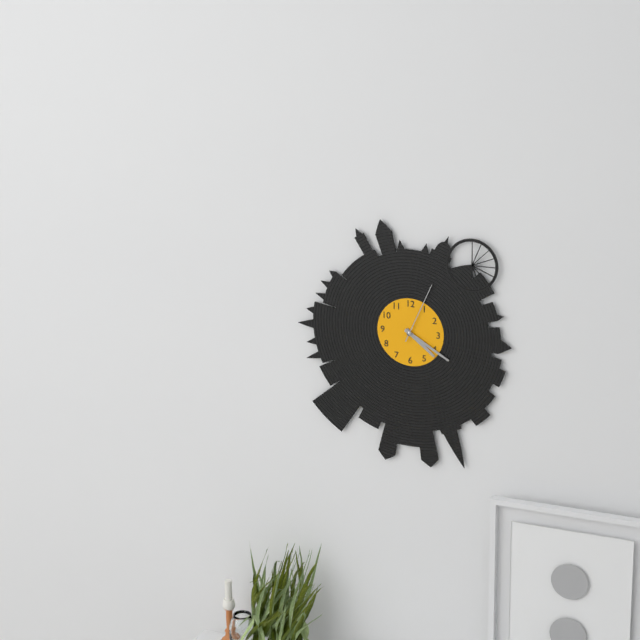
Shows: 4h20m04s
